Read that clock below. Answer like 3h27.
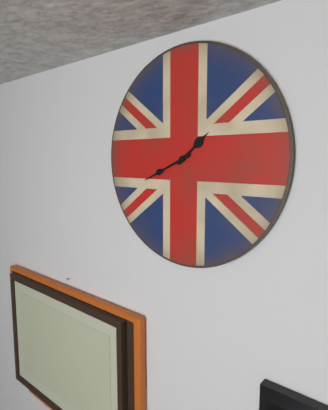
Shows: 1h41
